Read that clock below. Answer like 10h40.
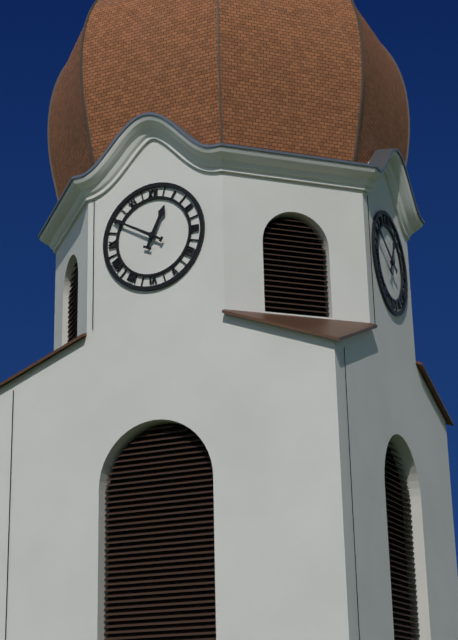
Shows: 12h50
